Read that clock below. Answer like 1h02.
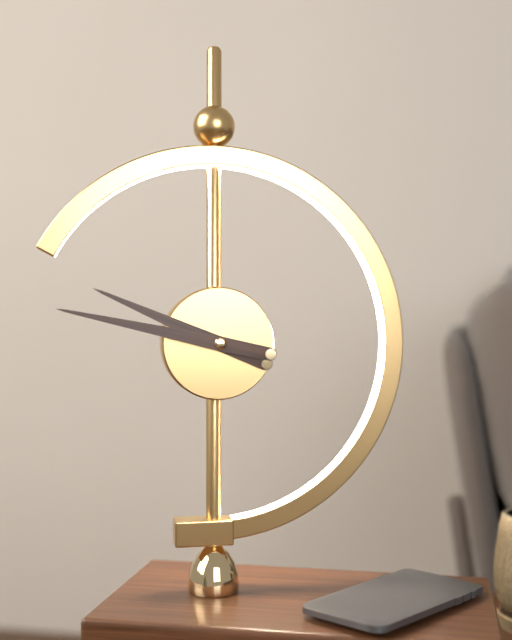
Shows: 9h47
